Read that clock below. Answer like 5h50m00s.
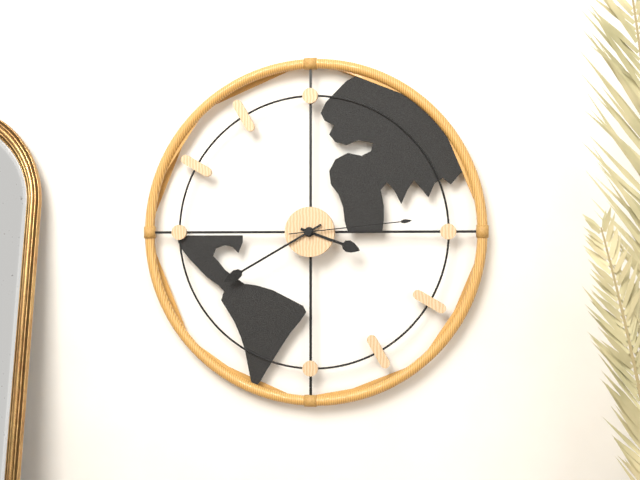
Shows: 3h40m14s
